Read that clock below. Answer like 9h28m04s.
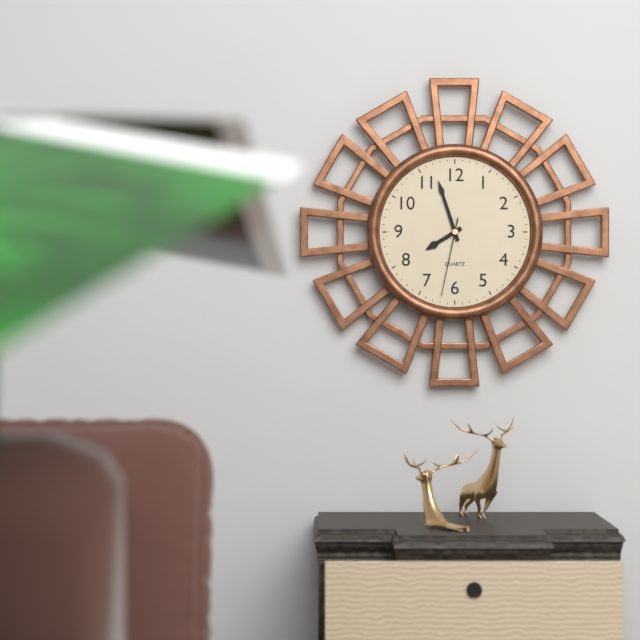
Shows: 7h57m32s
